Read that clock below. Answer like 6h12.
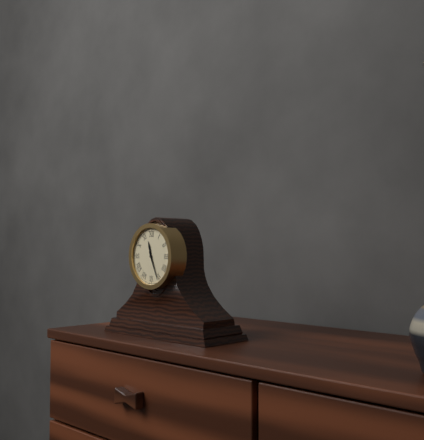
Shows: 11h26
